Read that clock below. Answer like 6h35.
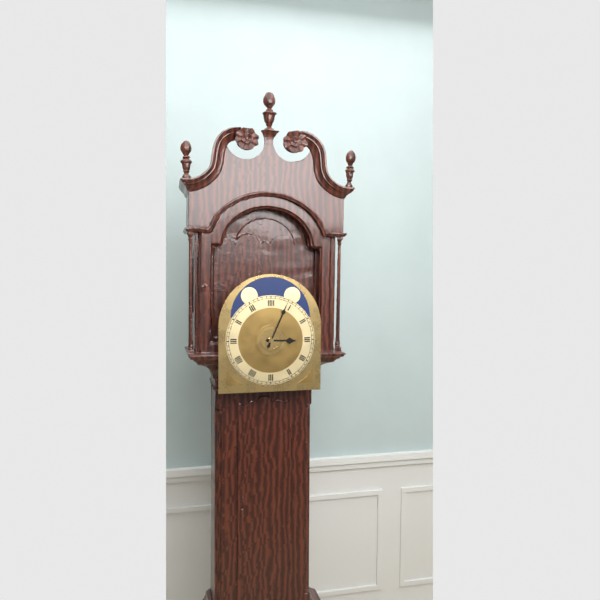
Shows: 3h04
